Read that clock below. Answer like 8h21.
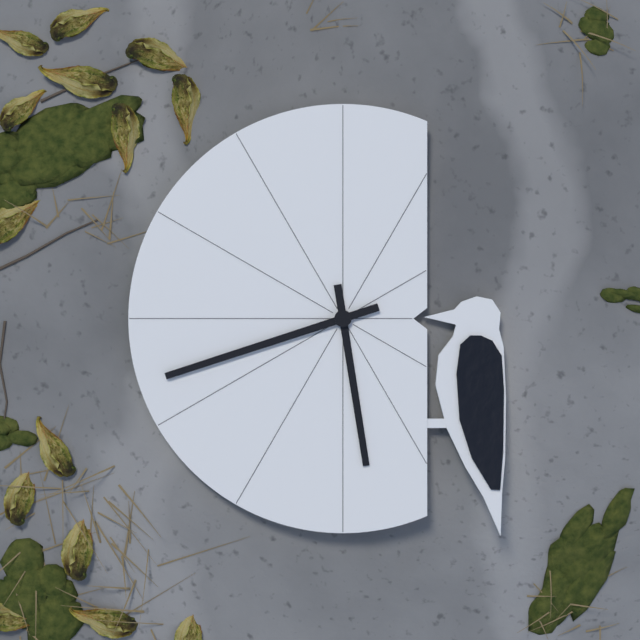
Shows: 5h42
